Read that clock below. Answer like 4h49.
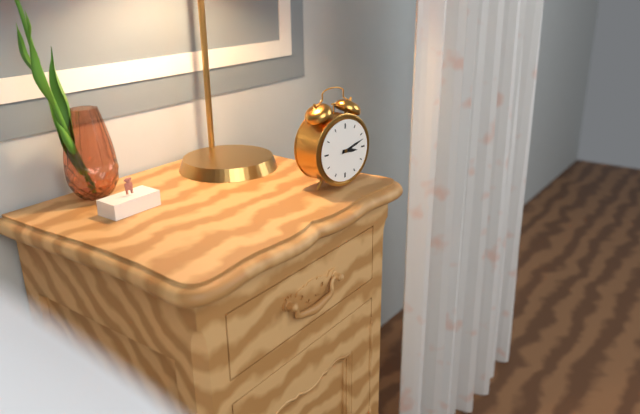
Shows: 3h12
